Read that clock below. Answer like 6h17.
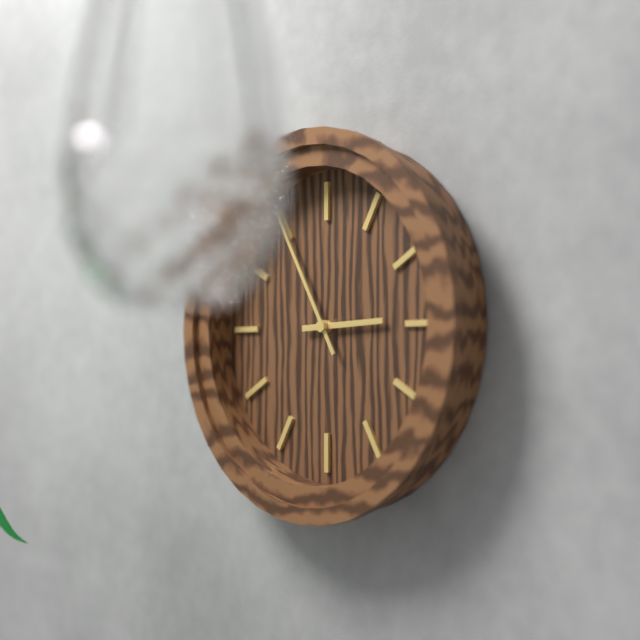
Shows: 2h55
